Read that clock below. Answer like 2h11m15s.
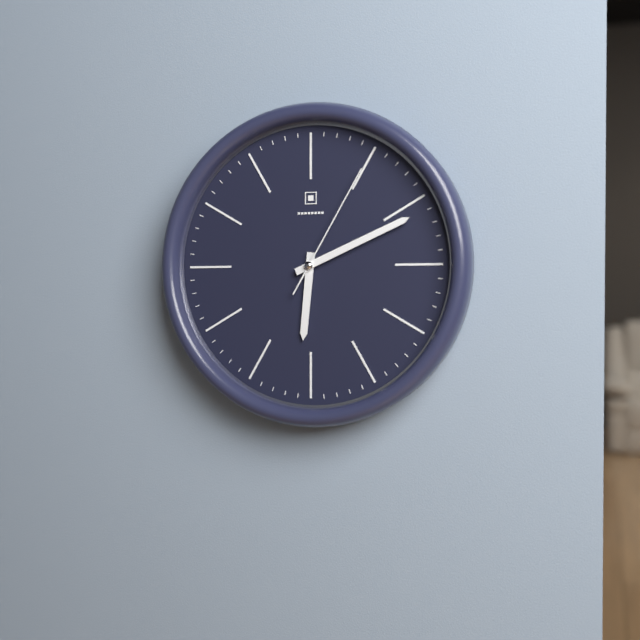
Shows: 6h11m05s
